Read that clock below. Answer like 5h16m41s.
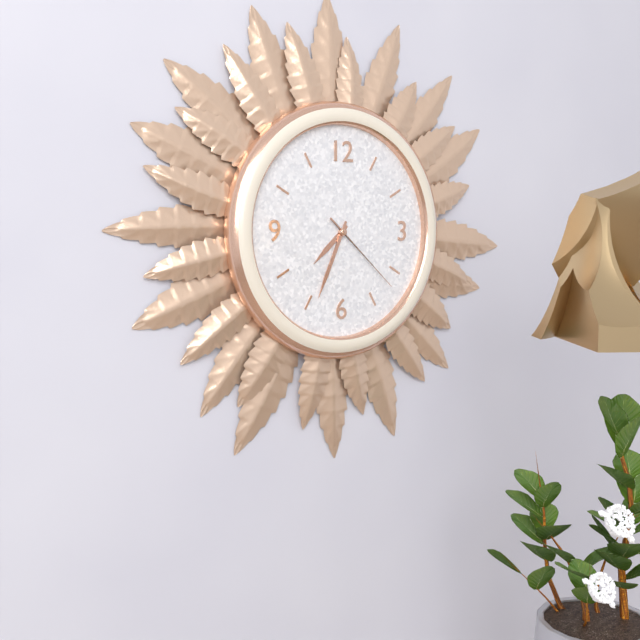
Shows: 7h34m22s
